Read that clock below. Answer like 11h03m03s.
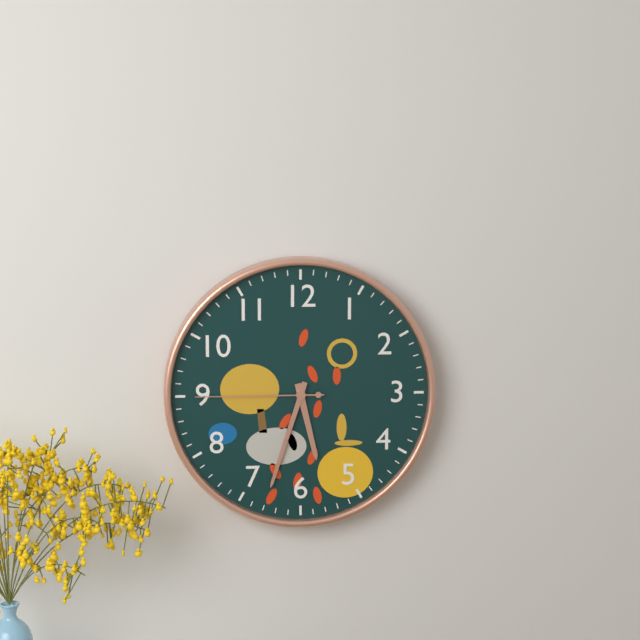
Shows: 5h33m45s
